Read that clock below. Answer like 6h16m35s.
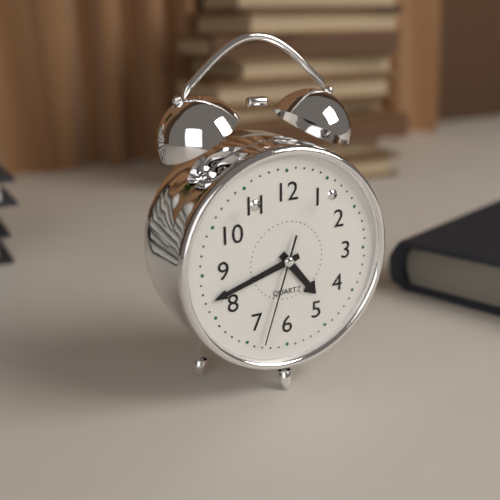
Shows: 4h42m33s
